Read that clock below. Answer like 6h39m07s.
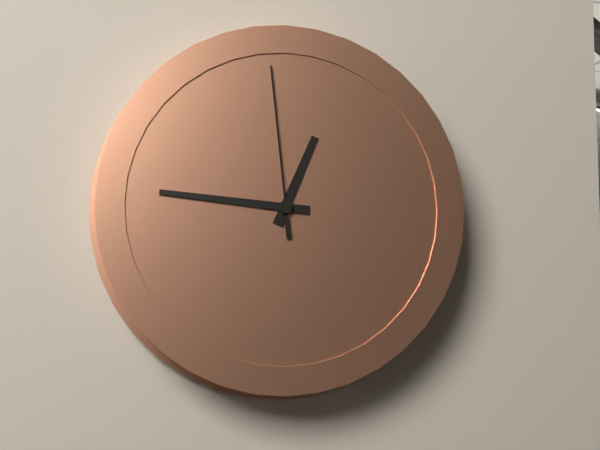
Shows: 12h46m59s
